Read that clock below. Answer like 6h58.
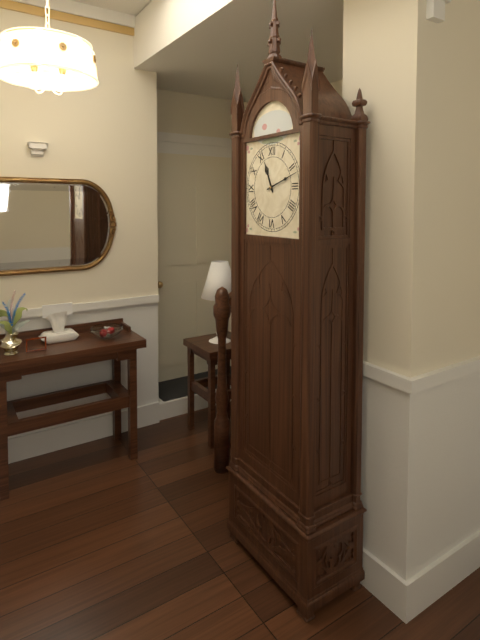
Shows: 11h12
